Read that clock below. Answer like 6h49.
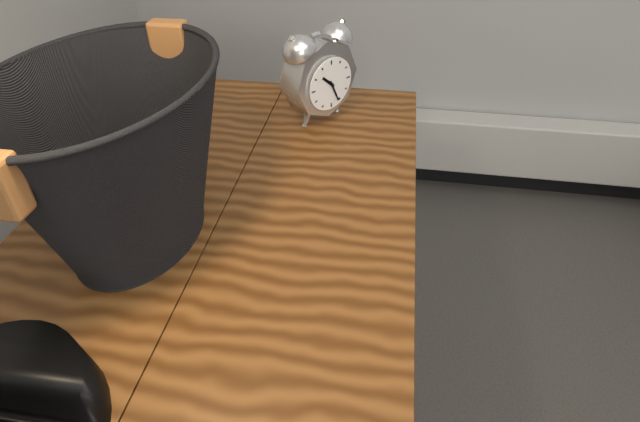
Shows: 10h26
